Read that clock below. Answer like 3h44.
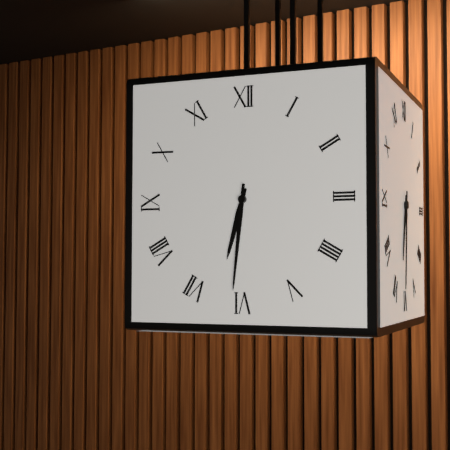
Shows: 6h31
